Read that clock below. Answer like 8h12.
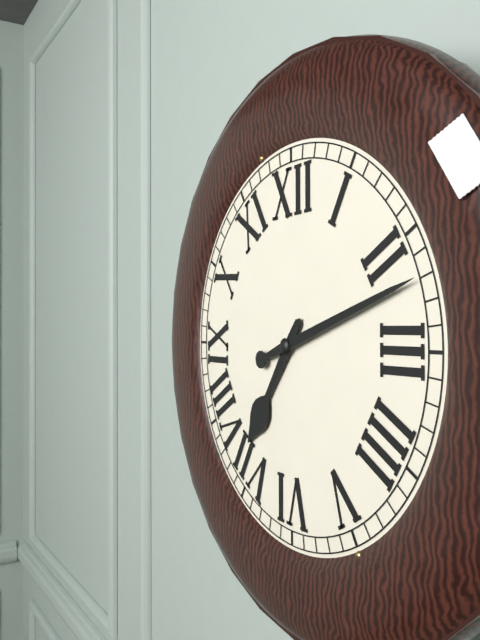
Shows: 7h12
